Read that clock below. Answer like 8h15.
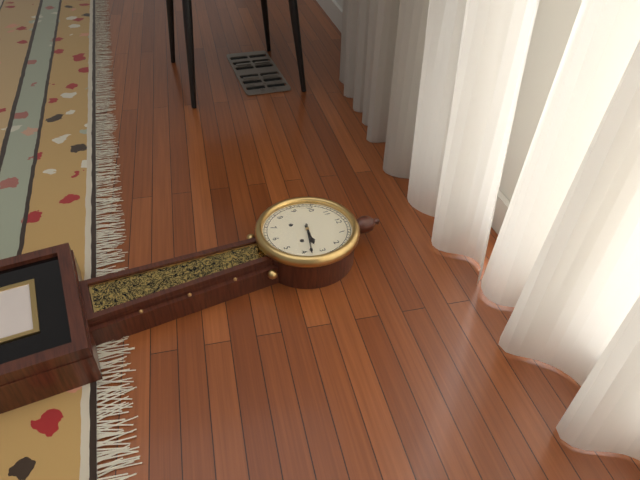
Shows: 3h18
